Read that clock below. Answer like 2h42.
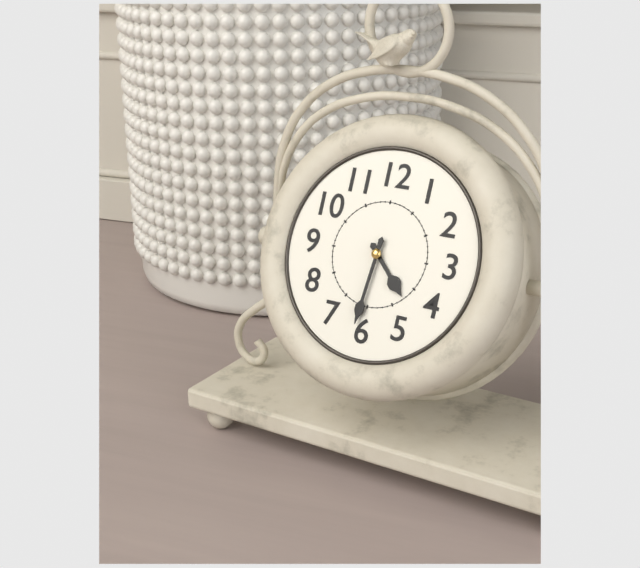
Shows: 4h31
